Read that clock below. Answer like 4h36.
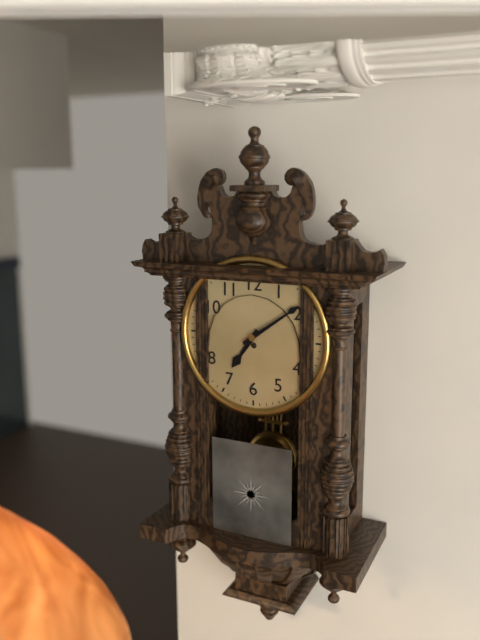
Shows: 7h09
